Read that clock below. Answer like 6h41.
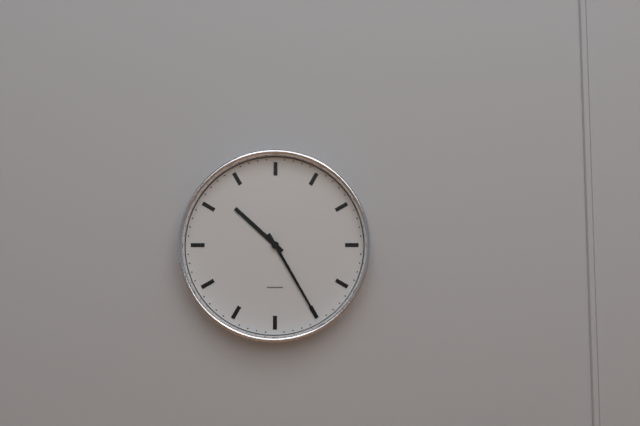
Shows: 10h25
